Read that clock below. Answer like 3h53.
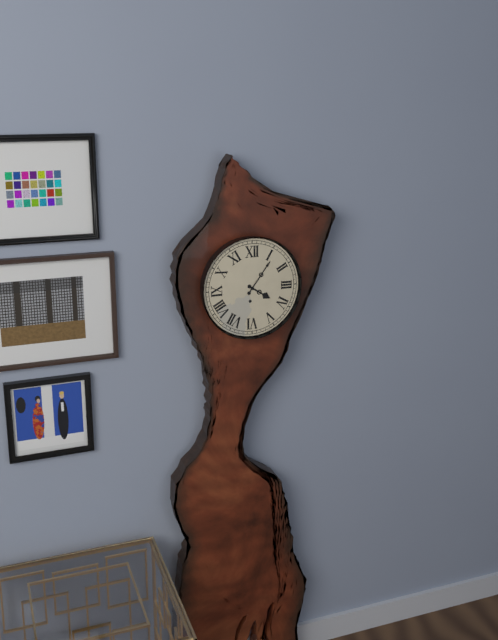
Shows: 4h06
